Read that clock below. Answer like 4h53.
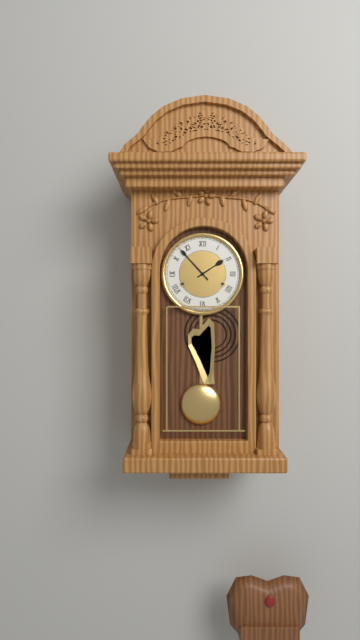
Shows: 1h53
